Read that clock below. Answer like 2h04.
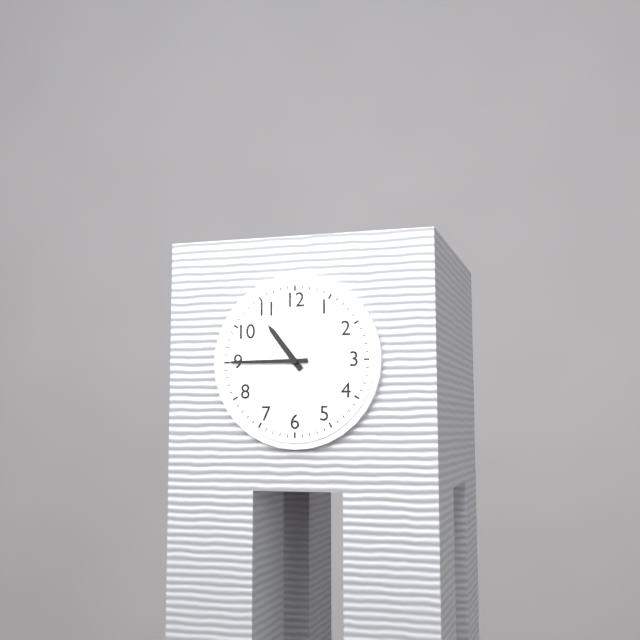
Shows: 10h45
